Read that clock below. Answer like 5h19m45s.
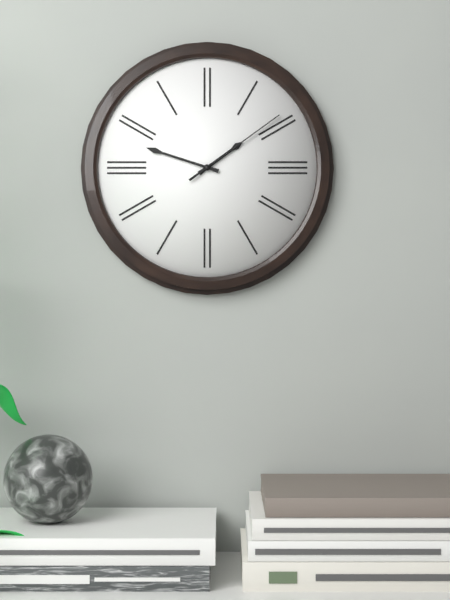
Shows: 1h48m09s
